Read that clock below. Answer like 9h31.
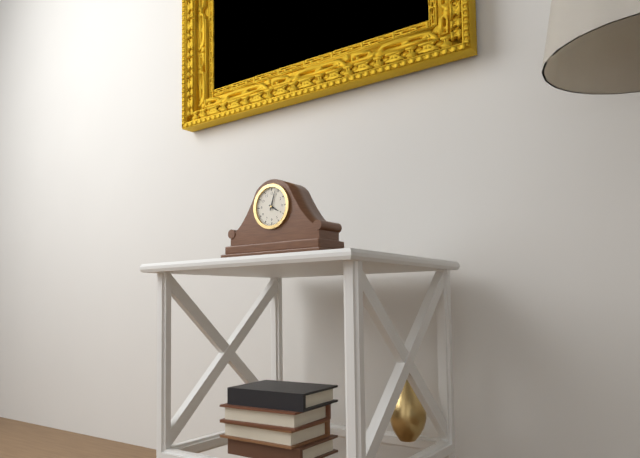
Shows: 4h03
